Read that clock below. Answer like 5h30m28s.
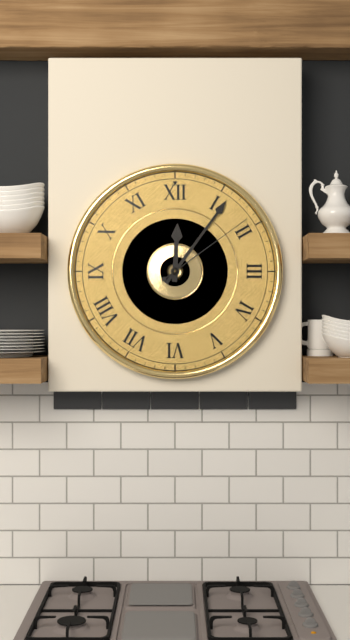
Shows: 12h06m09s
